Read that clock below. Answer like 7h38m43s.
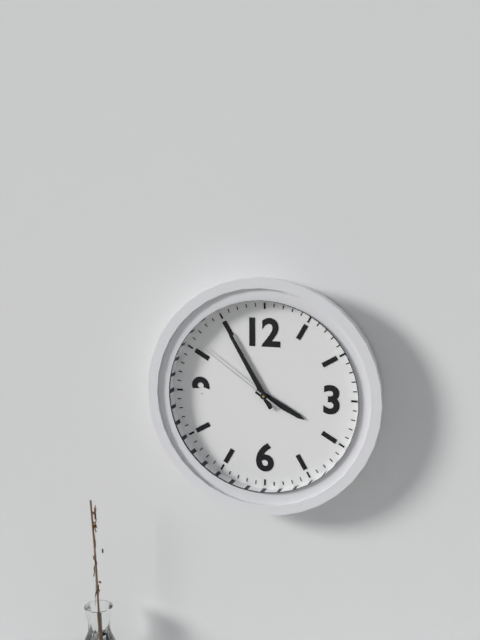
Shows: 3h55m51s
